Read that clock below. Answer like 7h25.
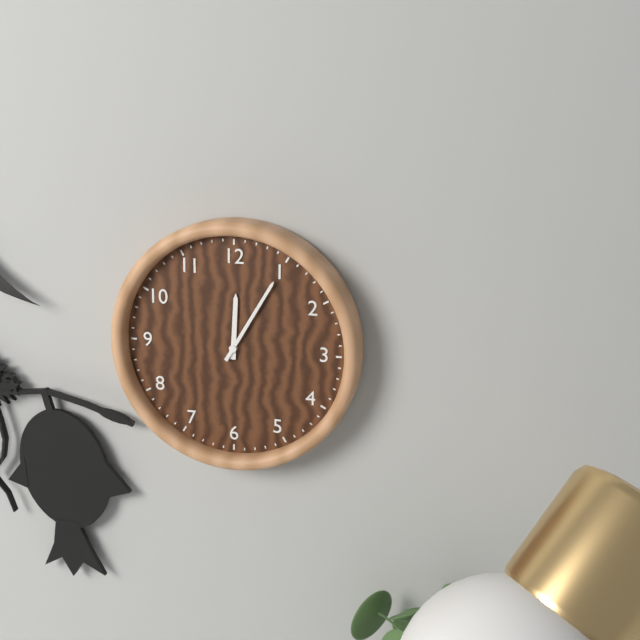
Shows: 12h05
